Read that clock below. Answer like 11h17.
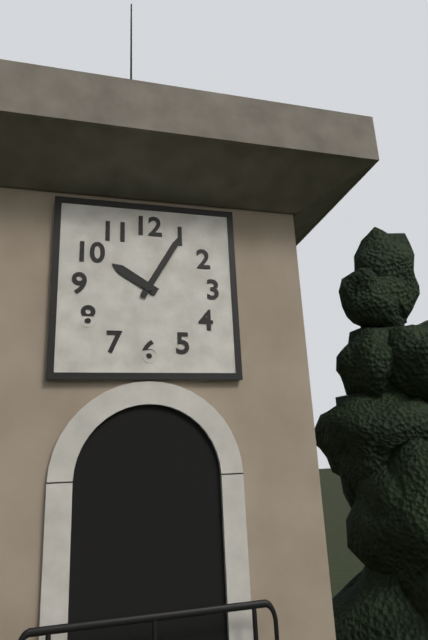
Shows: 10h05
